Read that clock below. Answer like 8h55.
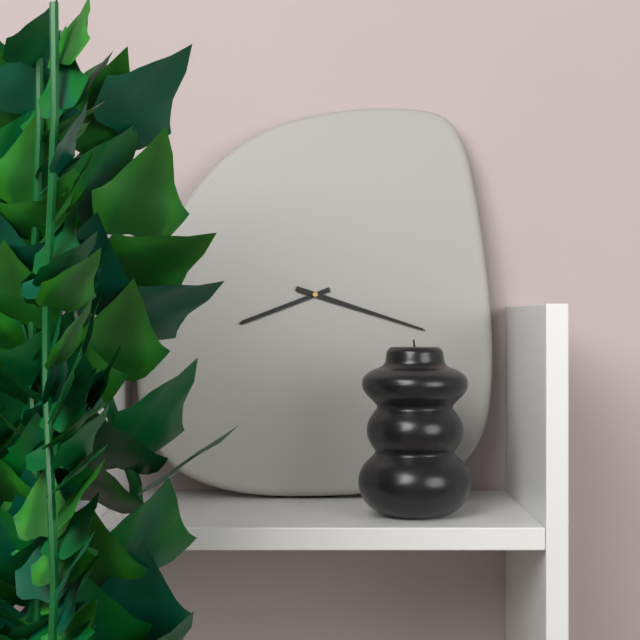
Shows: 8h18
